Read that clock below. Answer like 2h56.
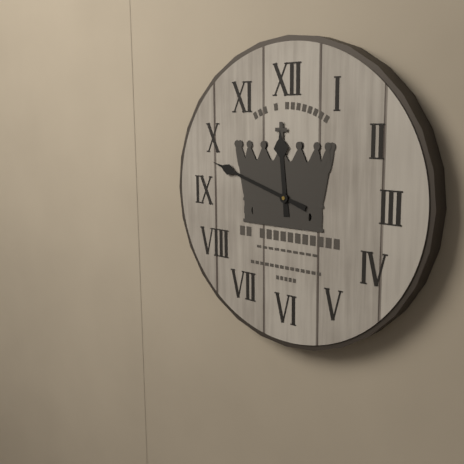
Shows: 11h48
